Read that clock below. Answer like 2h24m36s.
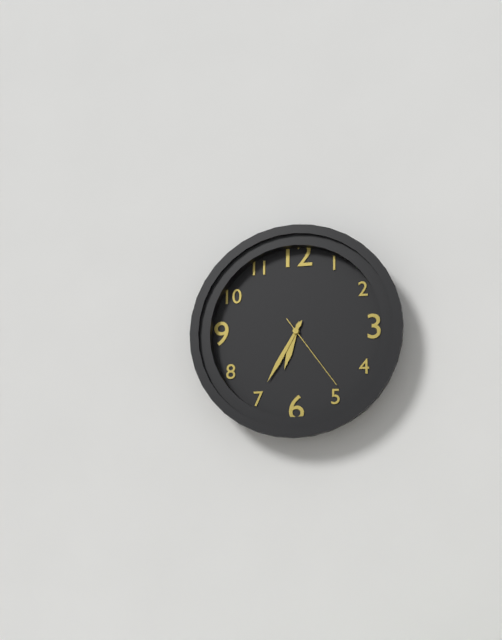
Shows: 6h35m24s
